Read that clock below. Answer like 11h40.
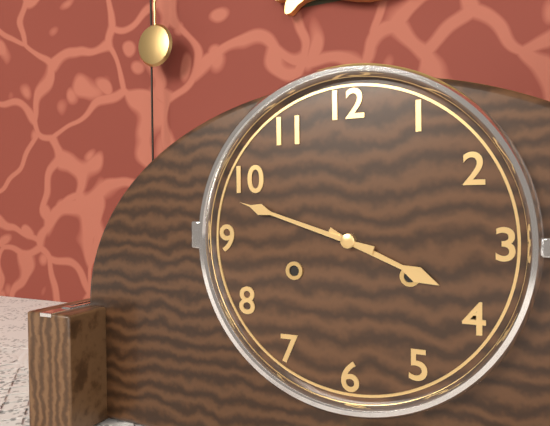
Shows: 3h48
